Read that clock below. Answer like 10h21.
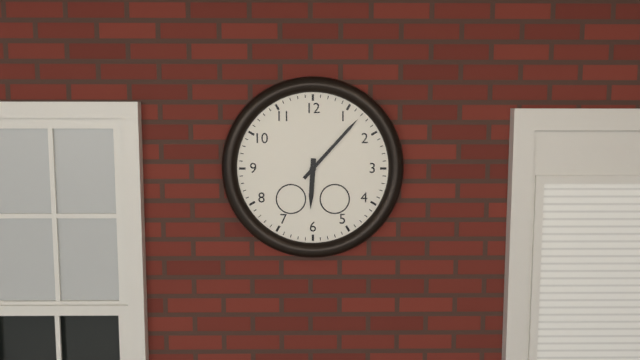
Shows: 6h07
